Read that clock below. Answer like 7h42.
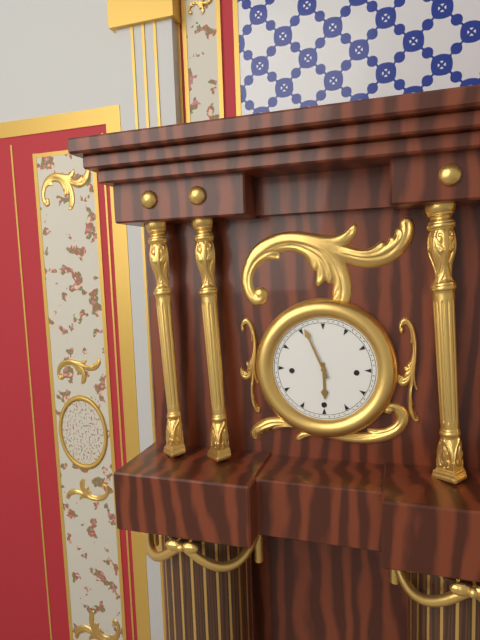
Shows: 5h56
